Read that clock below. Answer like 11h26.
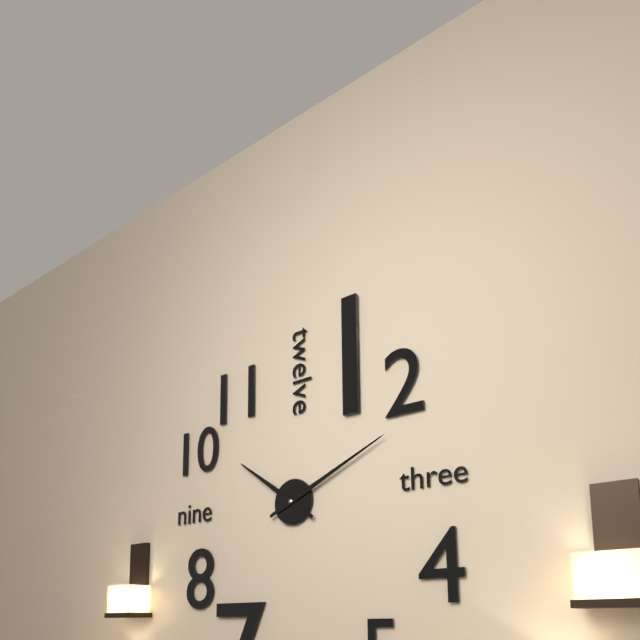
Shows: 10h11
